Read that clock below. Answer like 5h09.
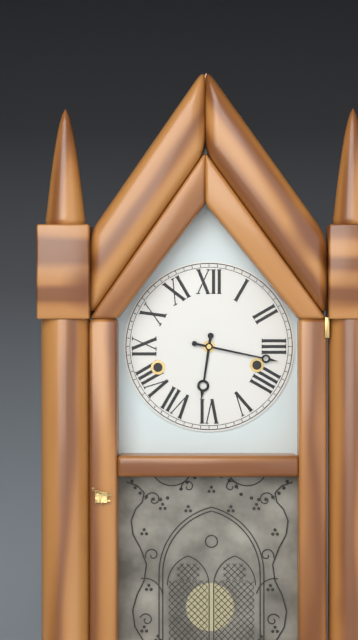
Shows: 6h17
